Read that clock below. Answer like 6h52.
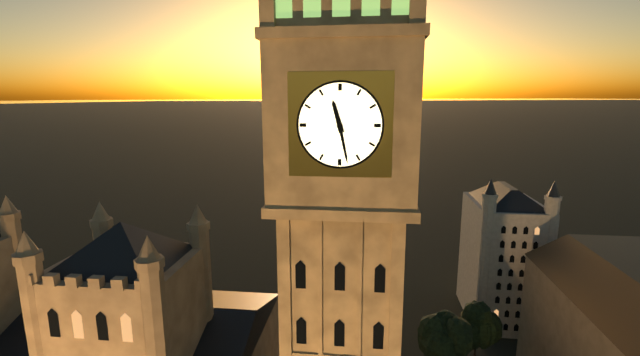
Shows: 11h28
